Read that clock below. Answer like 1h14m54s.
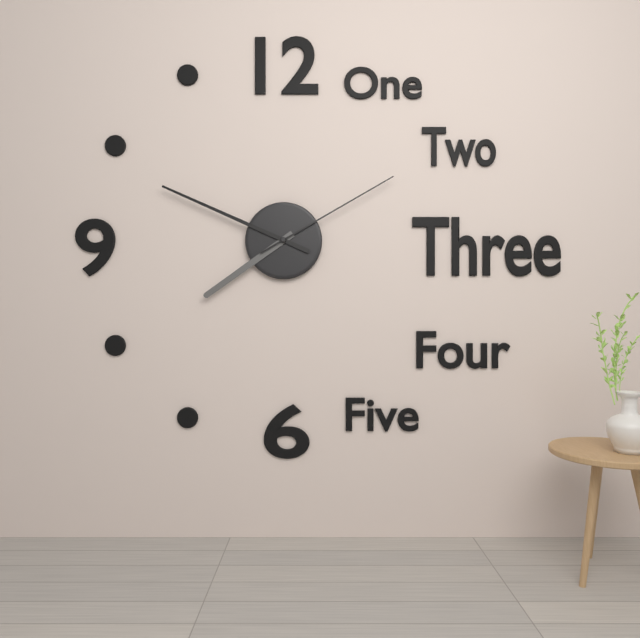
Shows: 7h49m10s
